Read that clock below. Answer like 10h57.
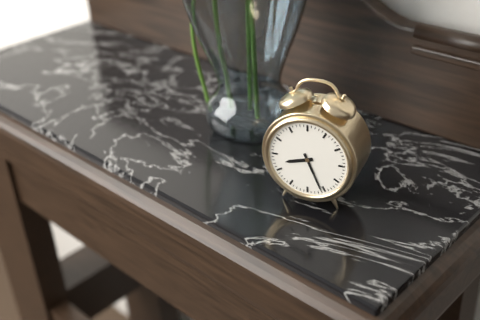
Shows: 8h26
